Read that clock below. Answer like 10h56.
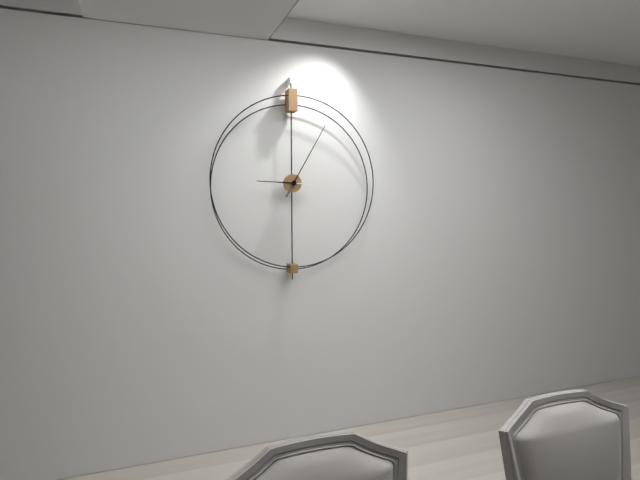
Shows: 9h05
